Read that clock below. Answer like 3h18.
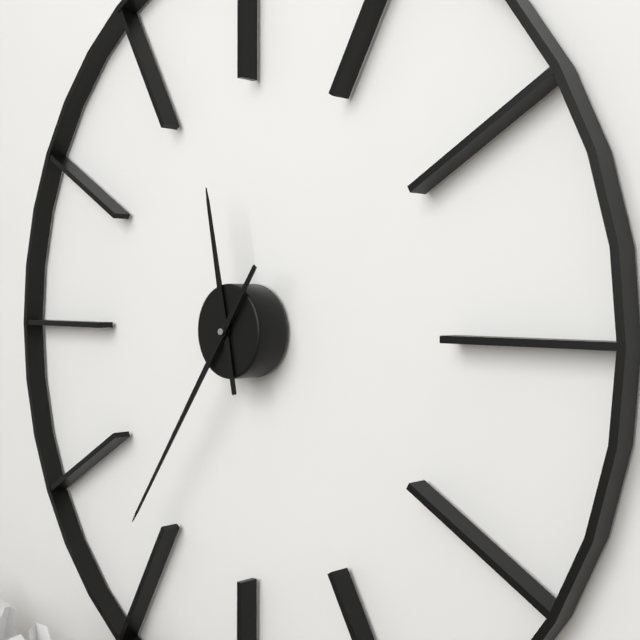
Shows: 11h36
